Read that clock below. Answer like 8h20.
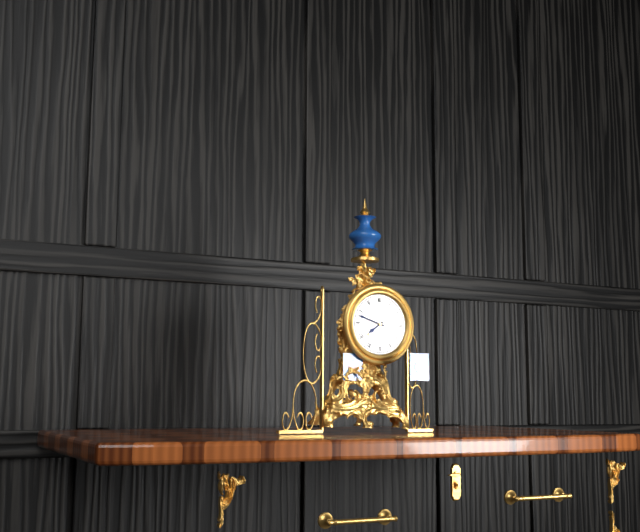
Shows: 7h48
